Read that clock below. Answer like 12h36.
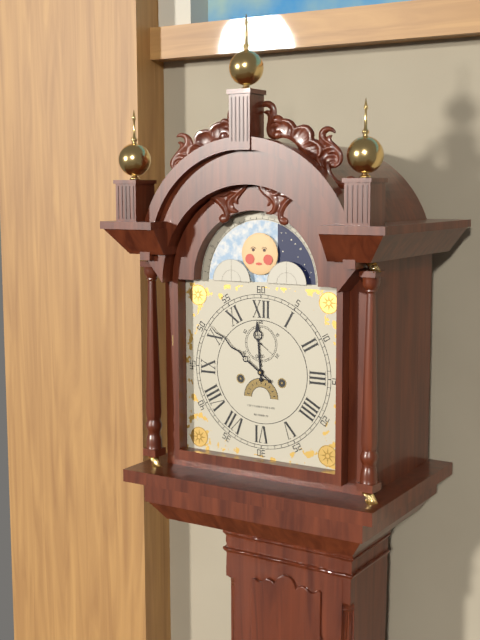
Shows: 11h51
